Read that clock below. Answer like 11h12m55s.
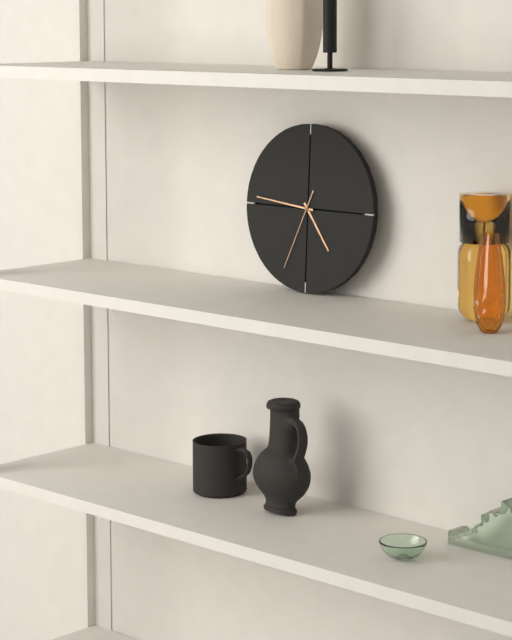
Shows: 4h46m34s
